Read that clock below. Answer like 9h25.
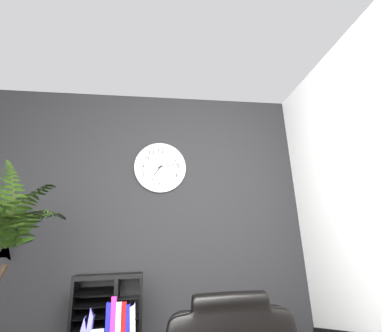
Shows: 7h13
